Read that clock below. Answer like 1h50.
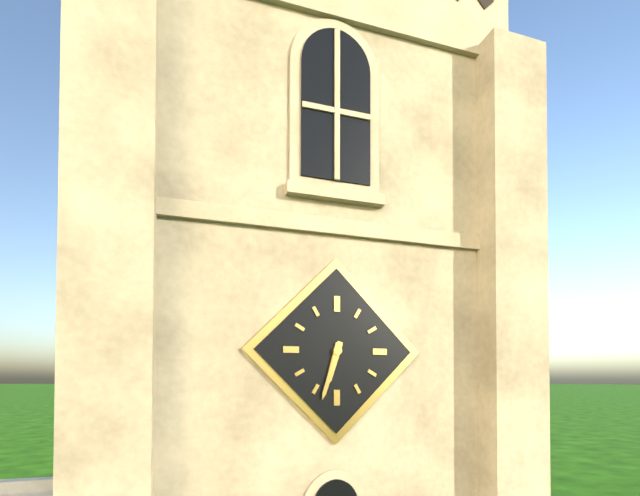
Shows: 6h33
